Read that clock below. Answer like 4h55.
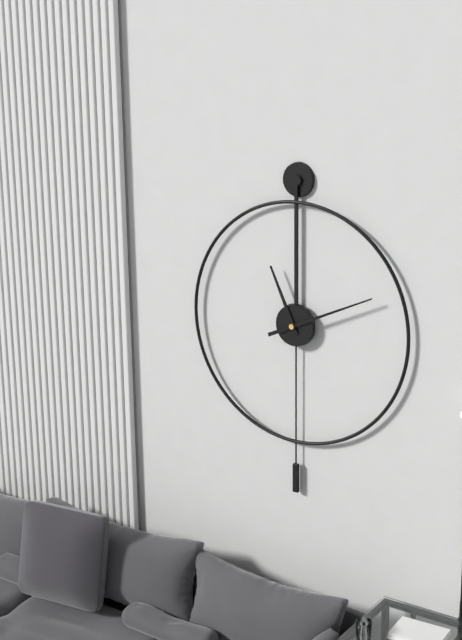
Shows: 11h11
